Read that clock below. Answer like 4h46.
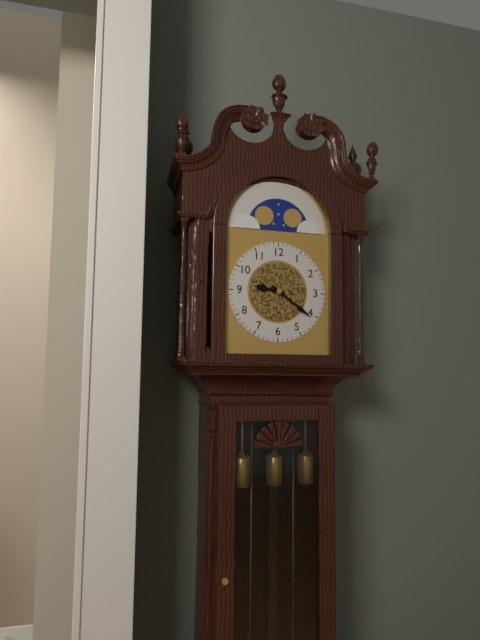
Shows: 9h21
